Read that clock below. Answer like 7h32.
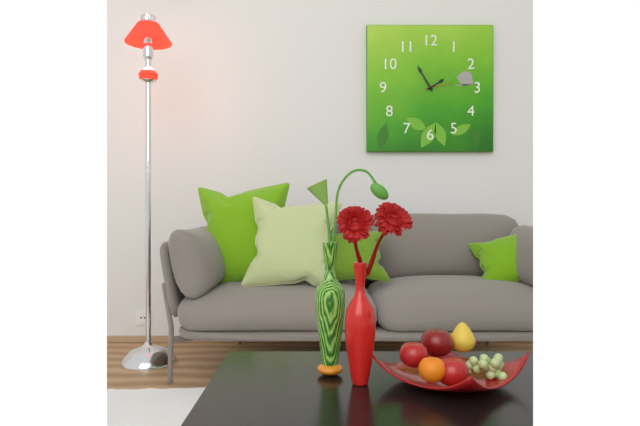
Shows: 1h55
